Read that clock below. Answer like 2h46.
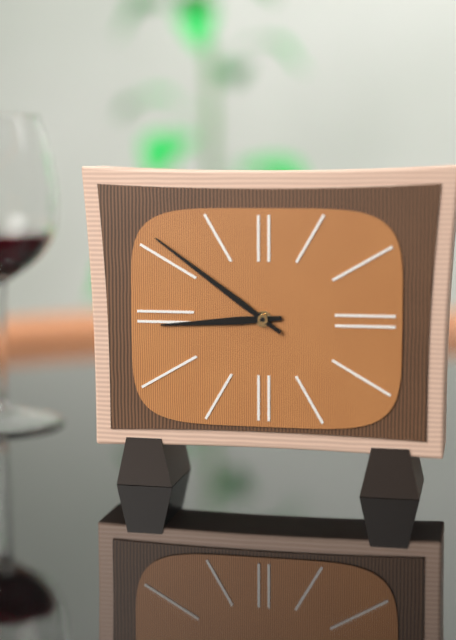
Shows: 8h51
